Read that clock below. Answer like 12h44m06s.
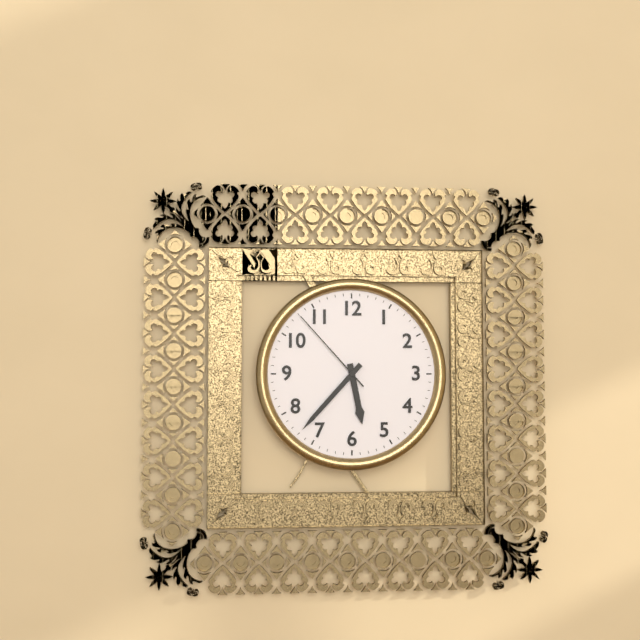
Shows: 5h37m53s
